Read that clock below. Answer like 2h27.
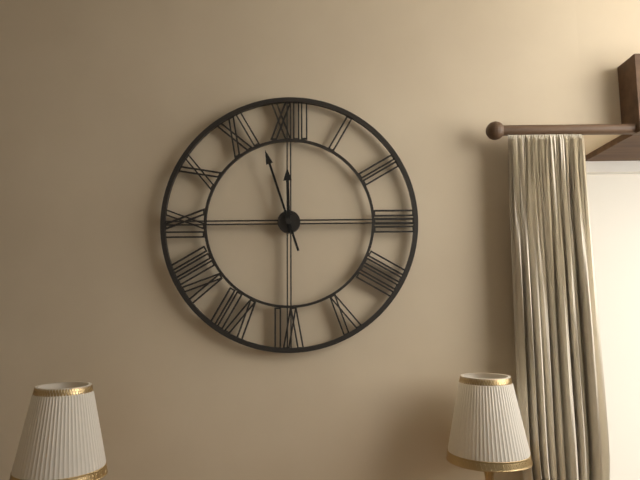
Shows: 11h57
